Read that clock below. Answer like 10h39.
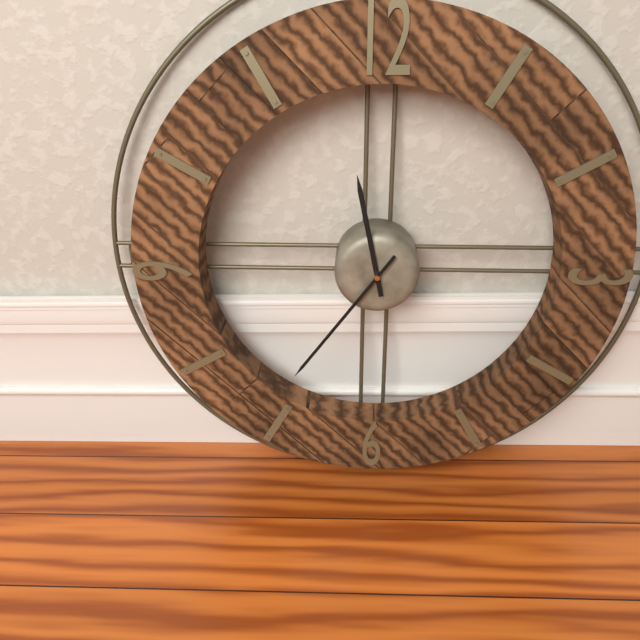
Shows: 11h36
